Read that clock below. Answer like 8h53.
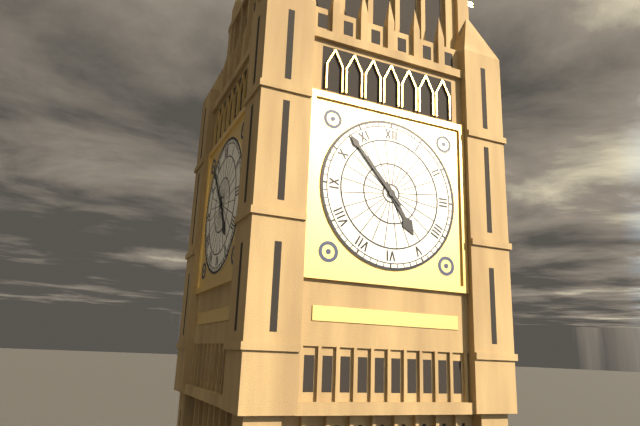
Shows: 4h53
